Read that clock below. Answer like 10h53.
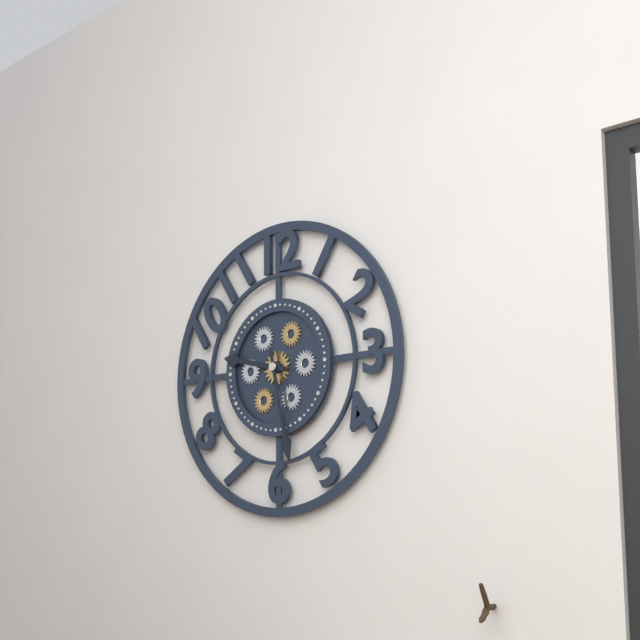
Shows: 9h28
